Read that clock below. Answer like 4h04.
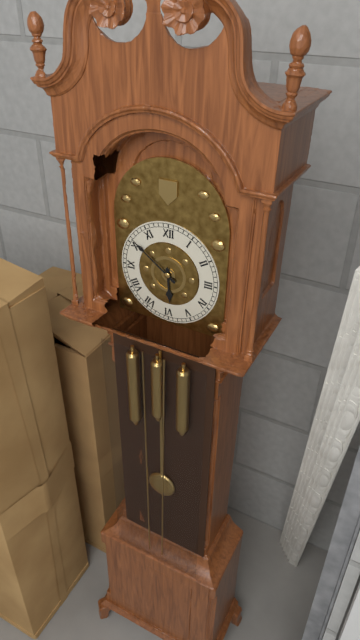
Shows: 5h51
